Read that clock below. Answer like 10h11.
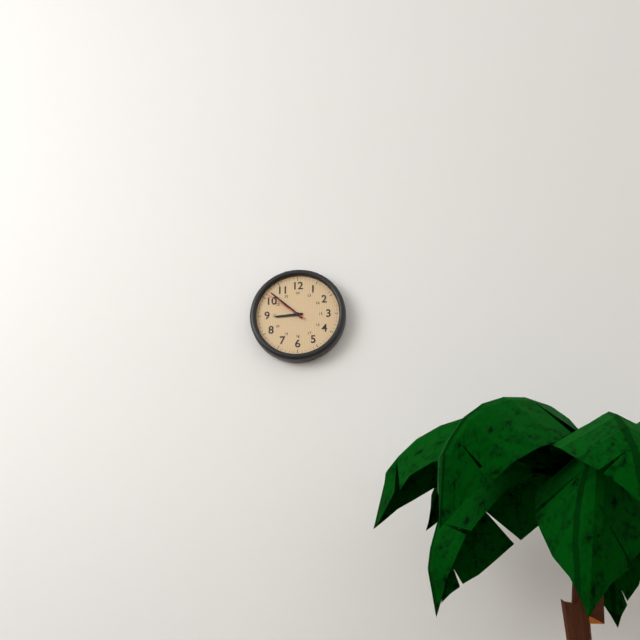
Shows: 8h52
